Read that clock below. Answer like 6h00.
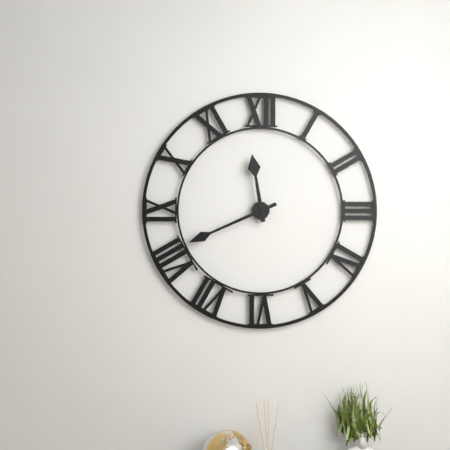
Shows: 11h41
